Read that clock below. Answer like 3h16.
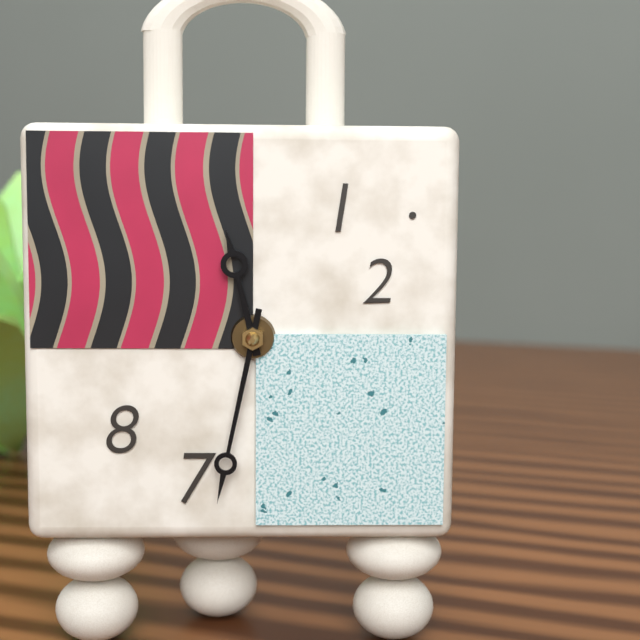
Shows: 11h32
